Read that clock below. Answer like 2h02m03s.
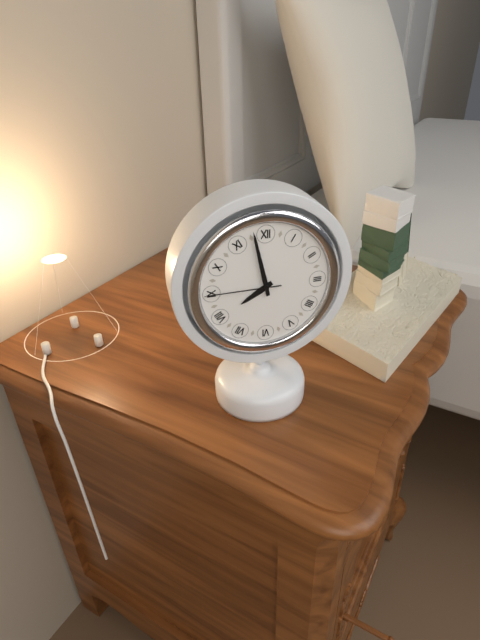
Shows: 7h58m45s
